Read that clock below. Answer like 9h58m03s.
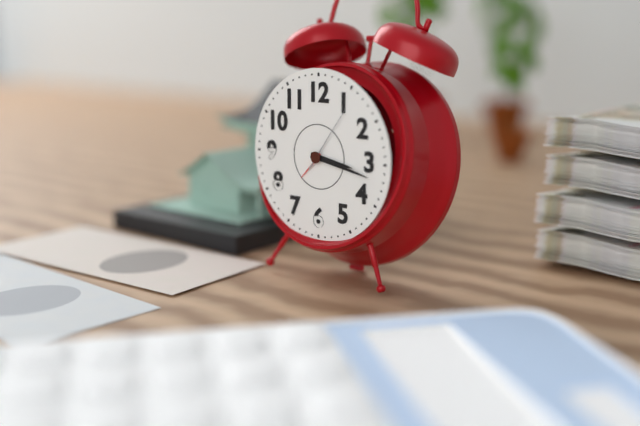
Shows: 3h17m06s
